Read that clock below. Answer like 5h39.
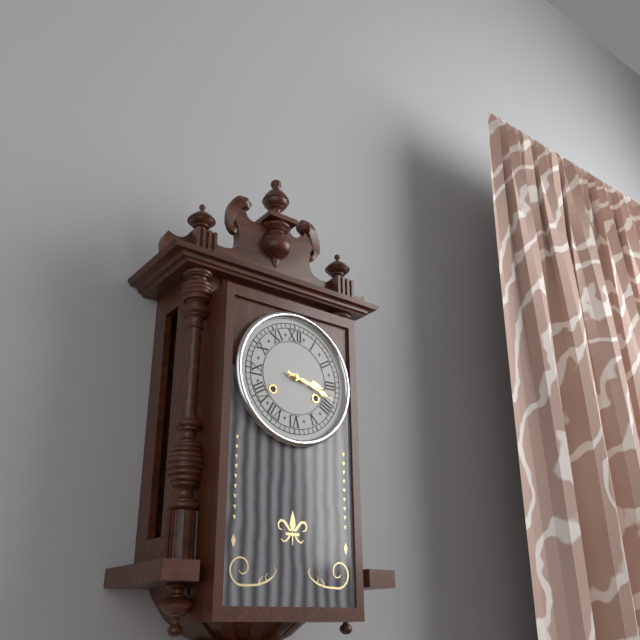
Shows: 3h18
